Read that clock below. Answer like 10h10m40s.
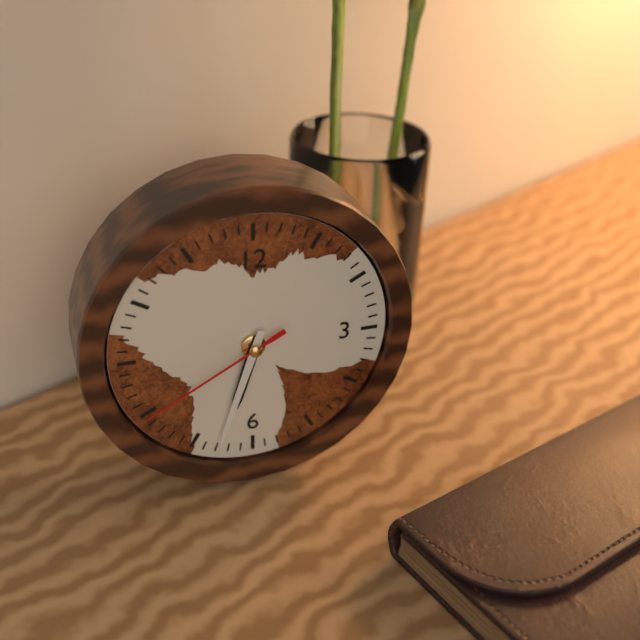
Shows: 6h33m40s
